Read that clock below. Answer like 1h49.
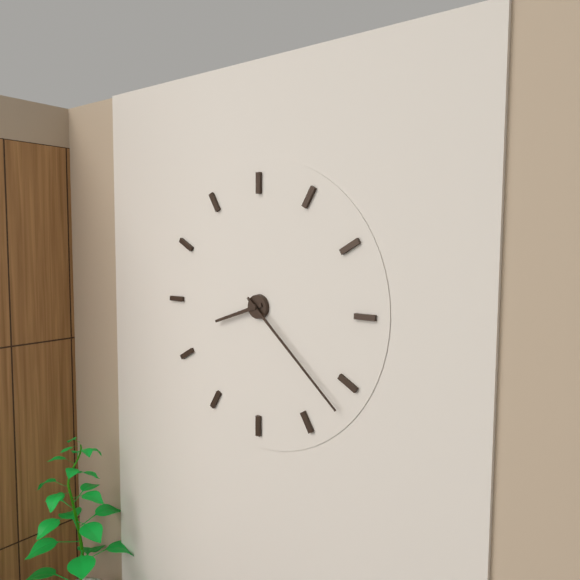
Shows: 8h22
